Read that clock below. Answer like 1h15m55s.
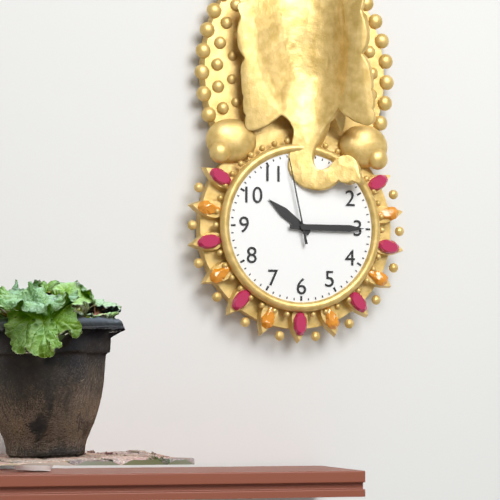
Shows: 10h15m58s
